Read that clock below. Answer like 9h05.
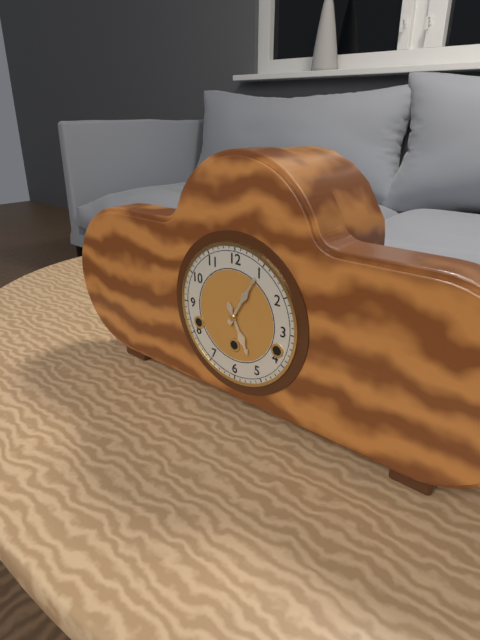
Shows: 5h05
